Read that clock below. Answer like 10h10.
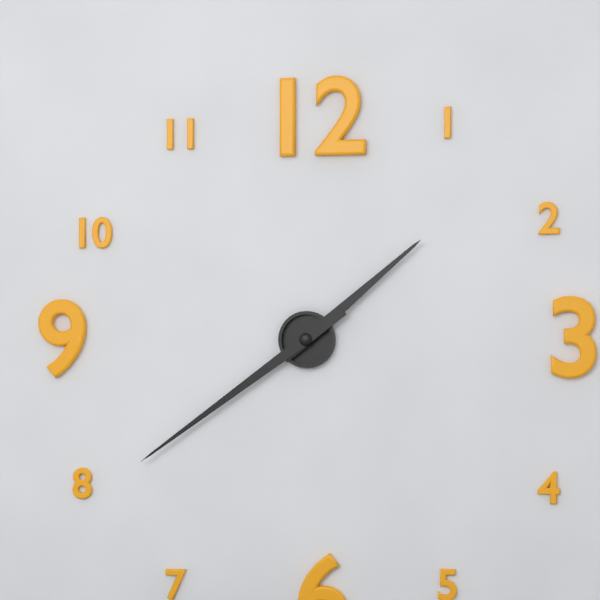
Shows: 1h39
